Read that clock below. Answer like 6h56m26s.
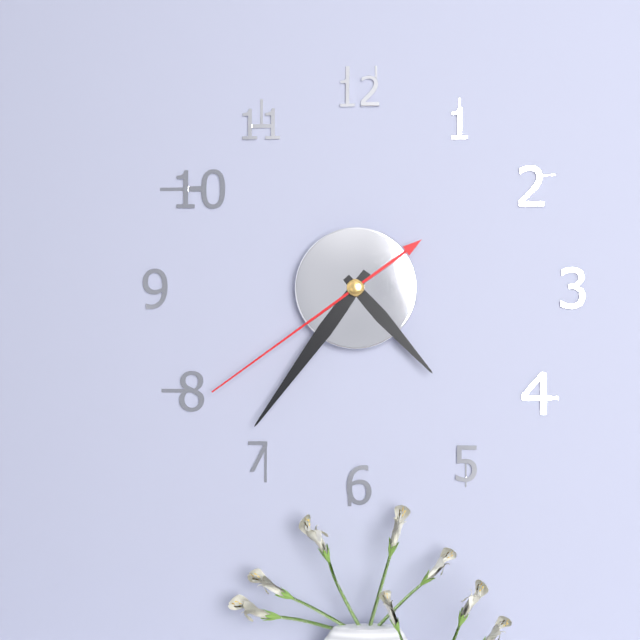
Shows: 4h36m39s
